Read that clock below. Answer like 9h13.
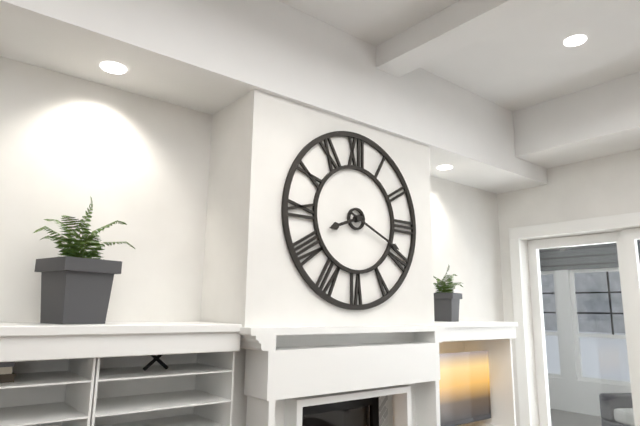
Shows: 8h19
